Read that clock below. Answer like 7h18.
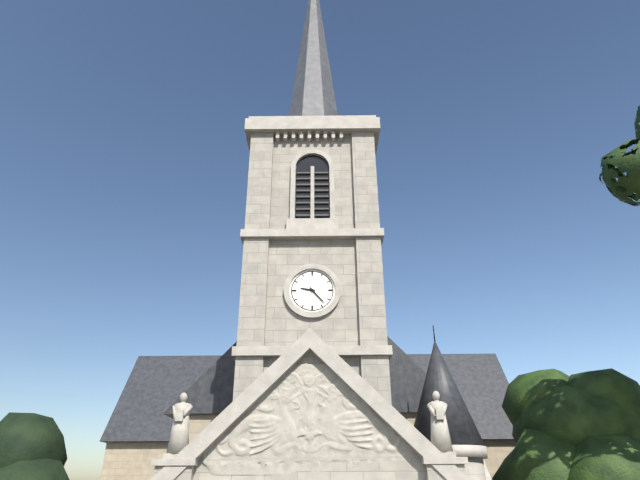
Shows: 9h23
